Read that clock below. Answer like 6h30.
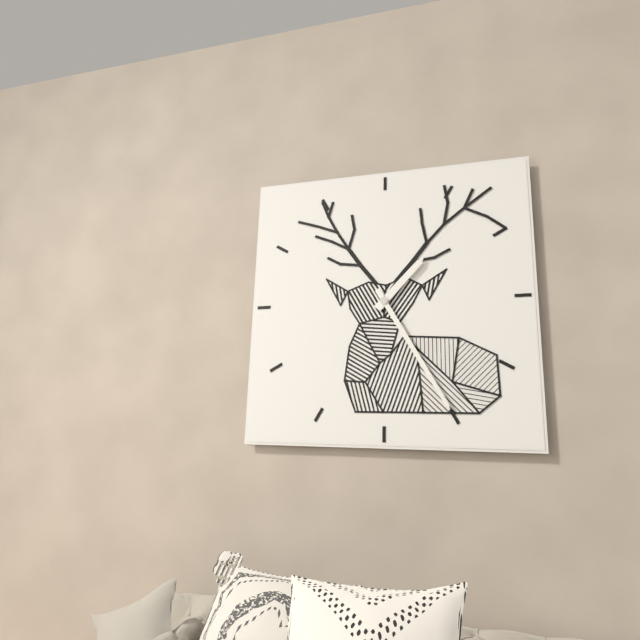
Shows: 1h25
